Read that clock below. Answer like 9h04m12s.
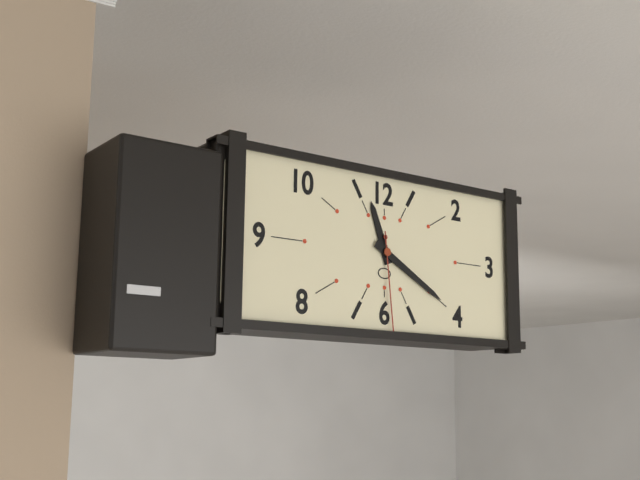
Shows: 11h20m29s
